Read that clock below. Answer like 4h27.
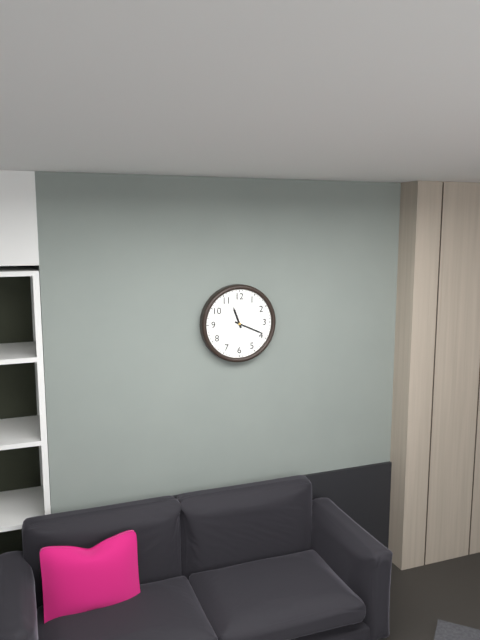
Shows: 11h19
